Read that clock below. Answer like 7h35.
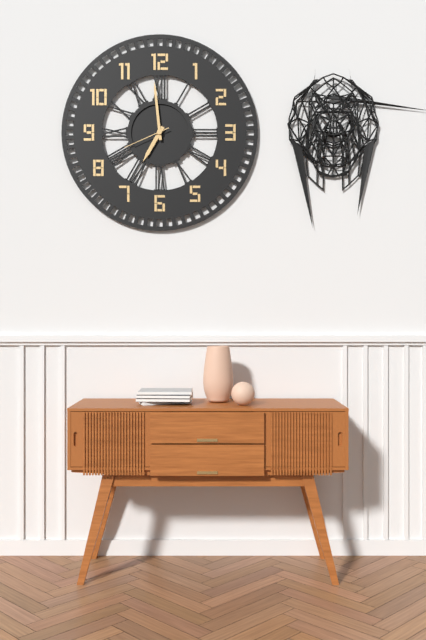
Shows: 6h59
